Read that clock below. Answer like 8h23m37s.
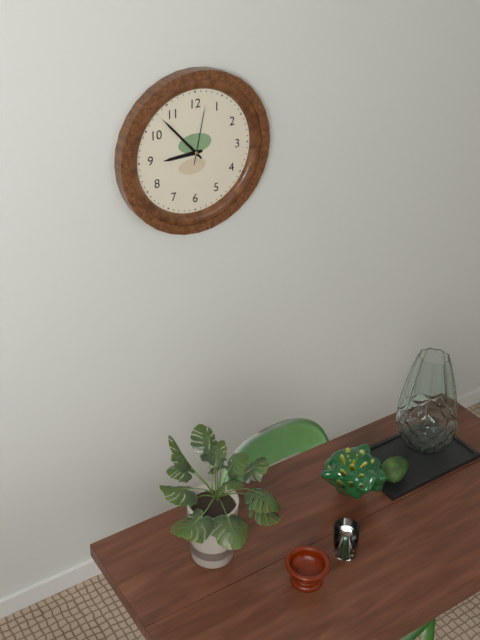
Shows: 8h53m02s
